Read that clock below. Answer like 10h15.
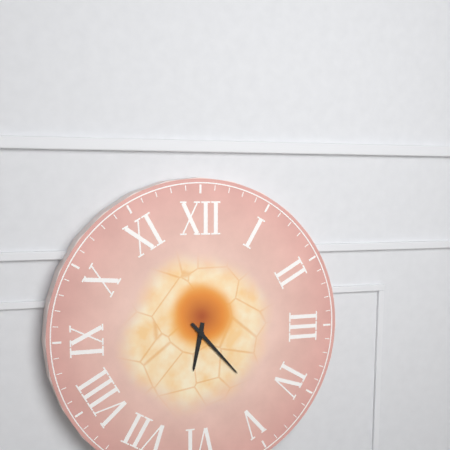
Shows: 6h23
